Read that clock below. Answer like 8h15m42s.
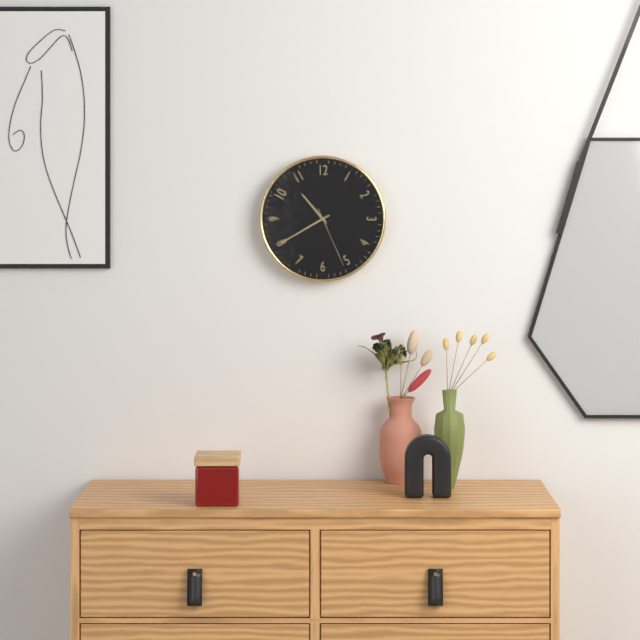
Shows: 10h40m26s
